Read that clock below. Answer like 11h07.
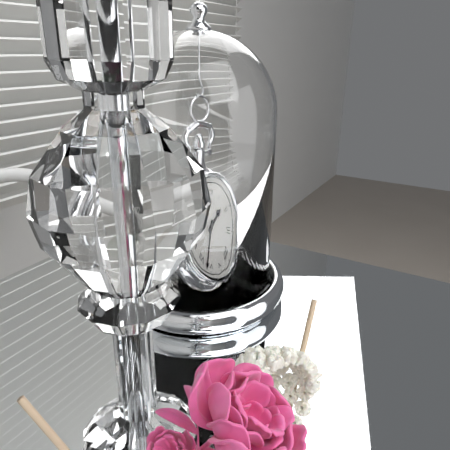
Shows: 1h32
